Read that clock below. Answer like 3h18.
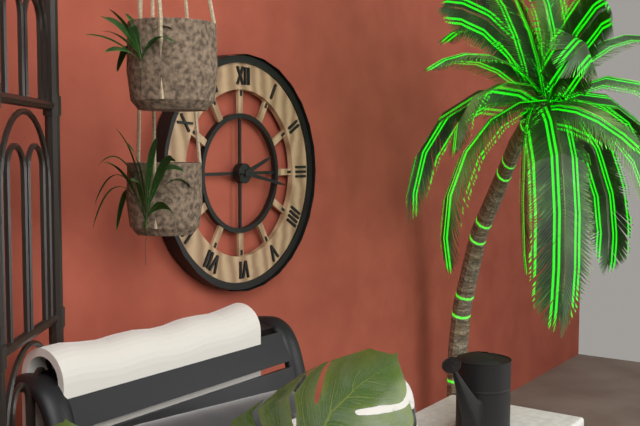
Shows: 2h17
